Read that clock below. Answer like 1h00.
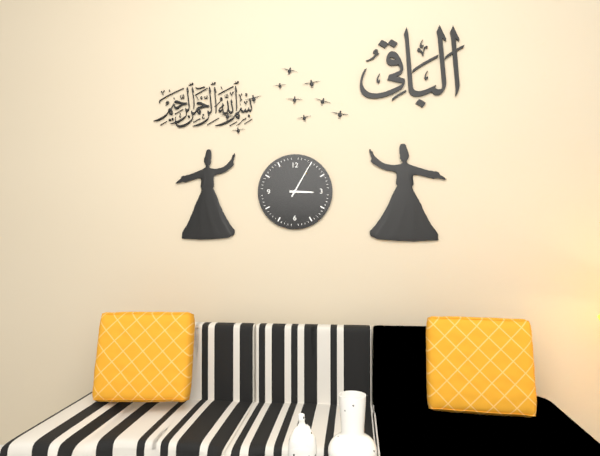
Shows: 3h05
